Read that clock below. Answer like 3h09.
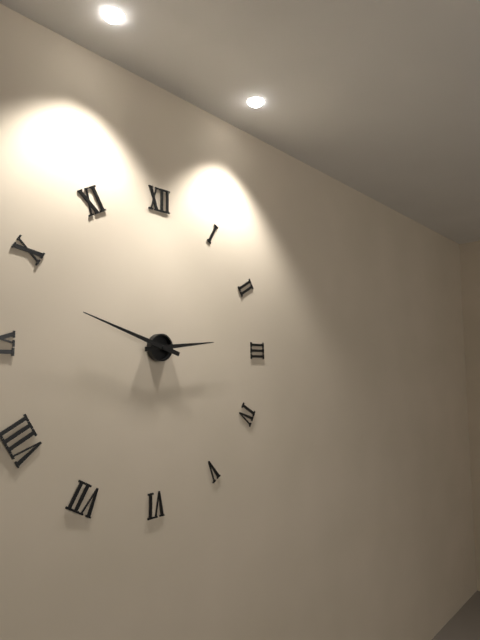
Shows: 2h48
